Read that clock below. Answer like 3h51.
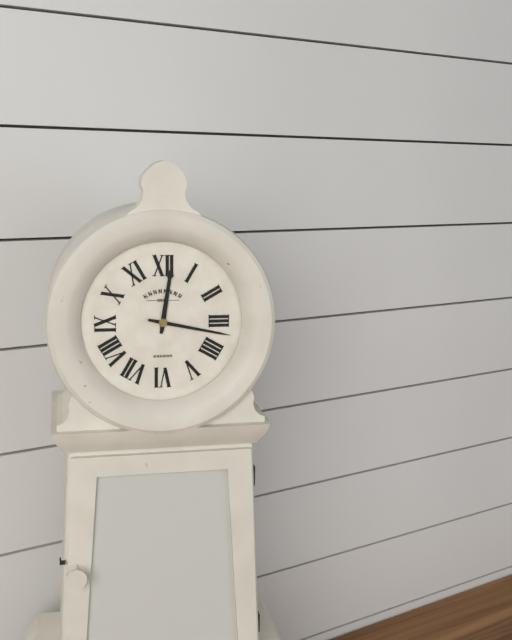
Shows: 12h17
